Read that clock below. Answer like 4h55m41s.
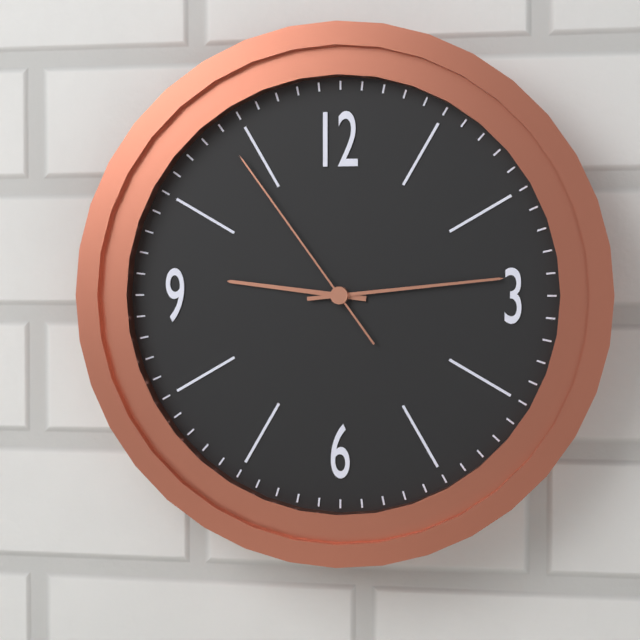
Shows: 9h14m54s
